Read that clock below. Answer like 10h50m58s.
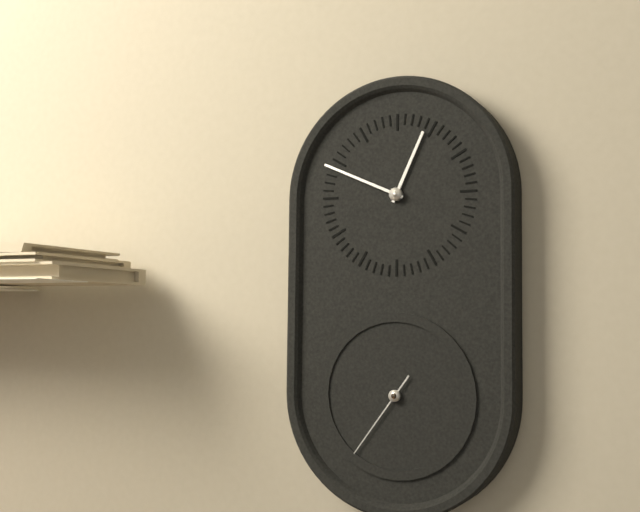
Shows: 12h49m36s
